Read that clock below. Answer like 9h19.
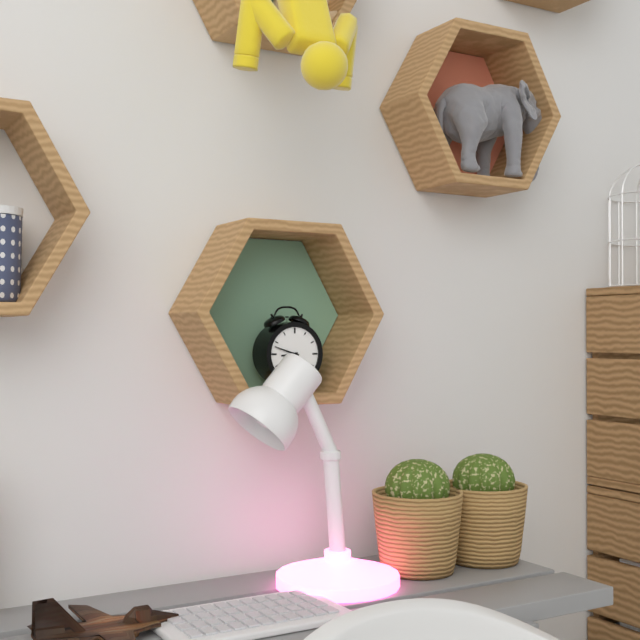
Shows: 8h48
